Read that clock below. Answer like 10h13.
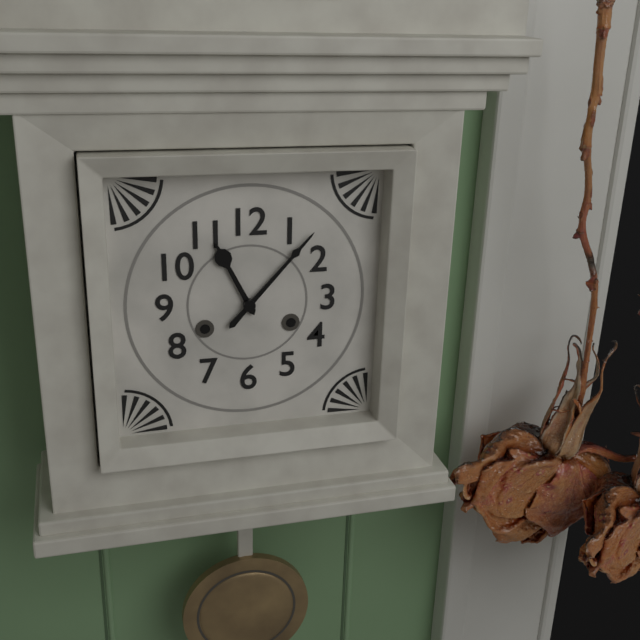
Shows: 11h07
